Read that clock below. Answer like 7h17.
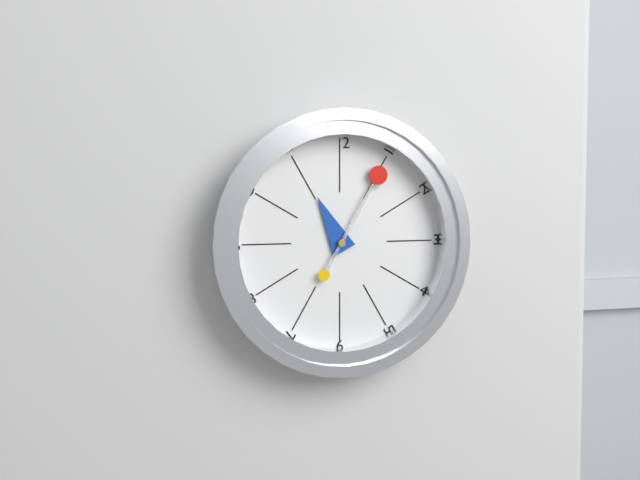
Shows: 11h05
